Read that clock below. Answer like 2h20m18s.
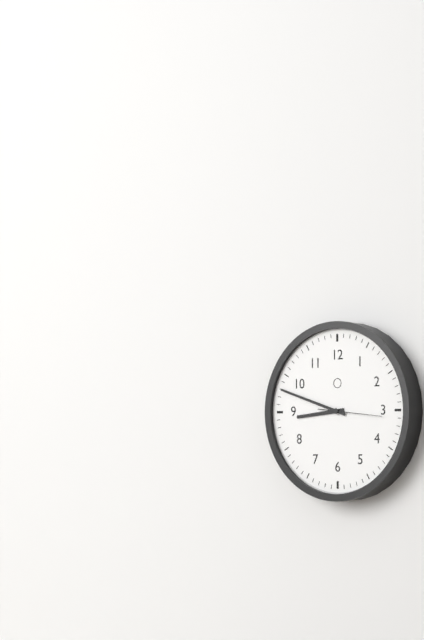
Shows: 8h48m16s
